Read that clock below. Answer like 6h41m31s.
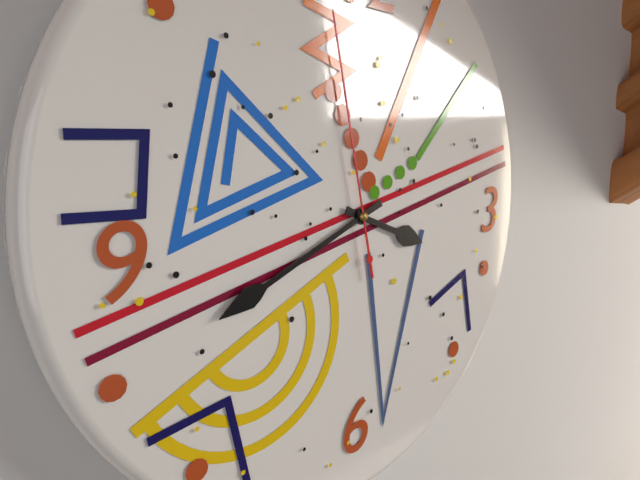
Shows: 3h41m58s
